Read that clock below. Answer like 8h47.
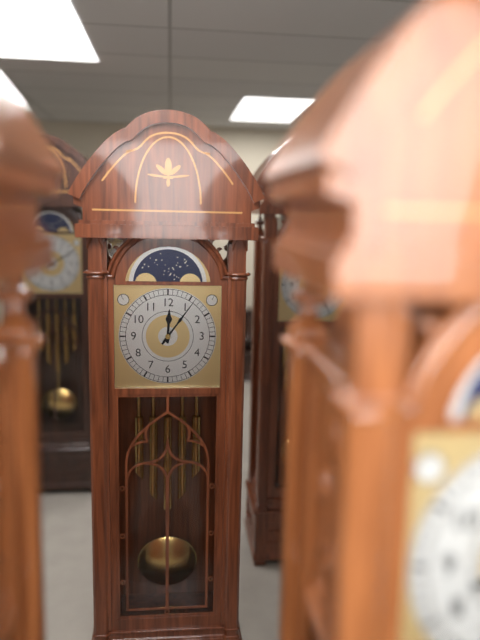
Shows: 12h06
